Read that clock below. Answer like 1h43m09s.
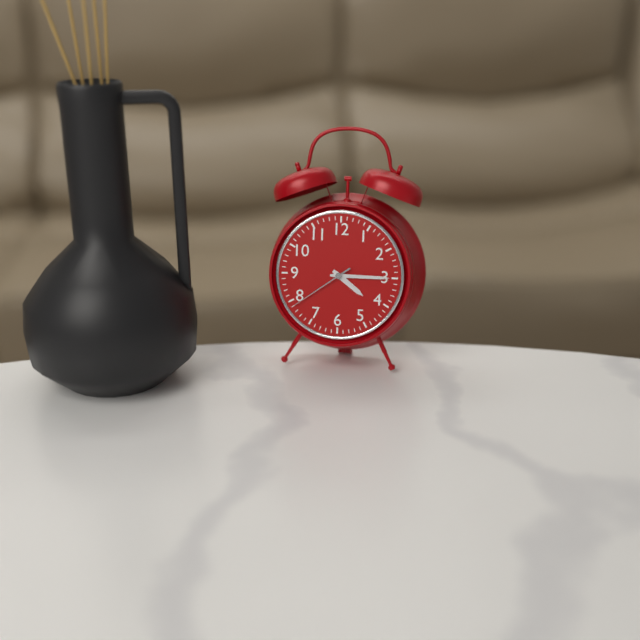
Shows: 4h15m39s
